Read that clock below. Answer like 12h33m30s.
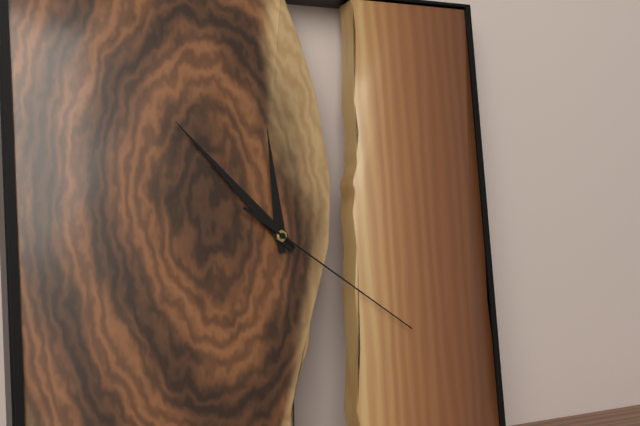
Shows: 11h53m21s
